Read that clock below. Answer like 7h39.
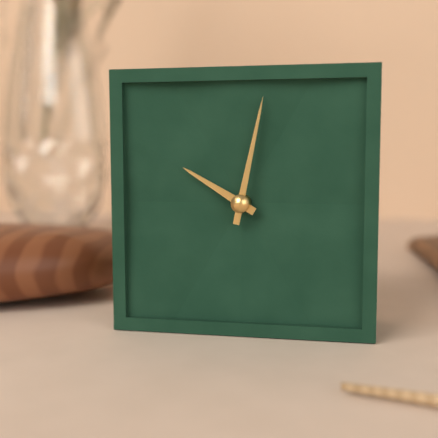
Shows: 10h02
